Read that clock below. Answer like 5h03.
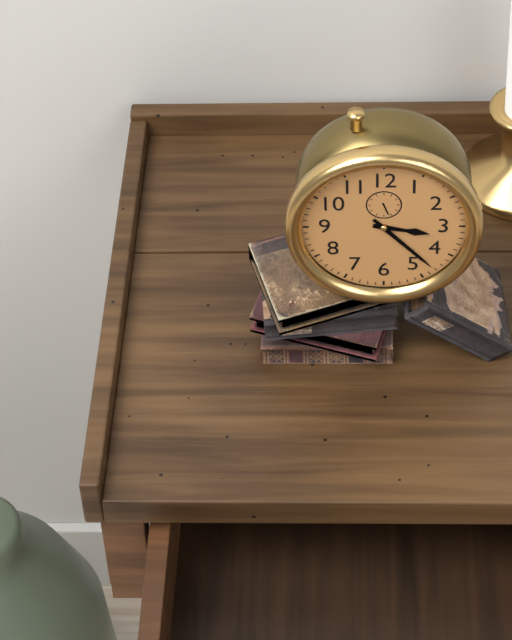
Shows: 3h23
